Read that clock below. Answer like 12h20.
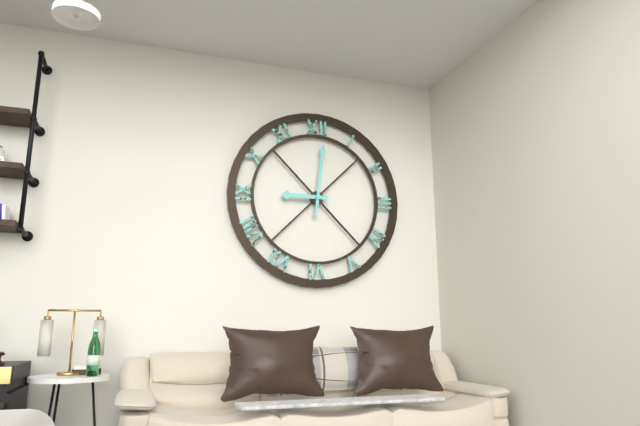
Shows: 9h01
